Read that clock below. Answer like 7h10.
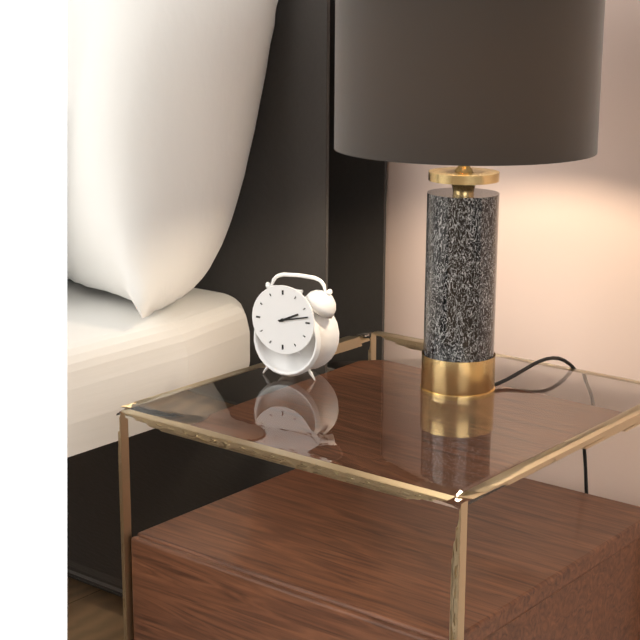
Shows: 2h13
